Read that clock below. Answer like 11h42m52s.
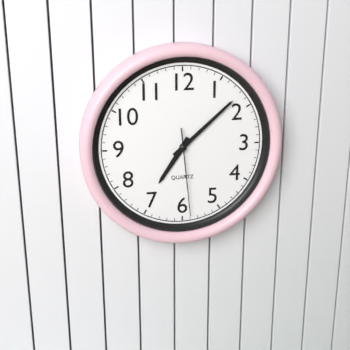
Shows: 7h08m29s
